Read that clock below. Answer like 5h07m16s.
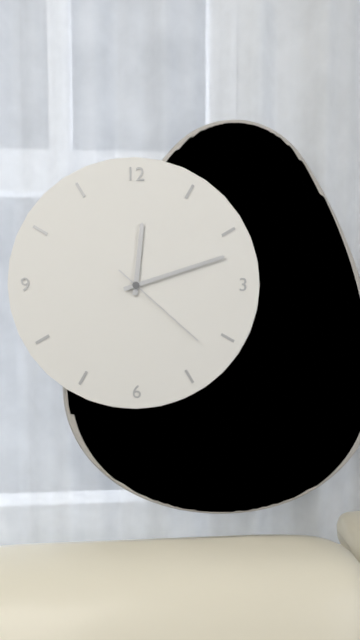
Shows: 12h12m22s
